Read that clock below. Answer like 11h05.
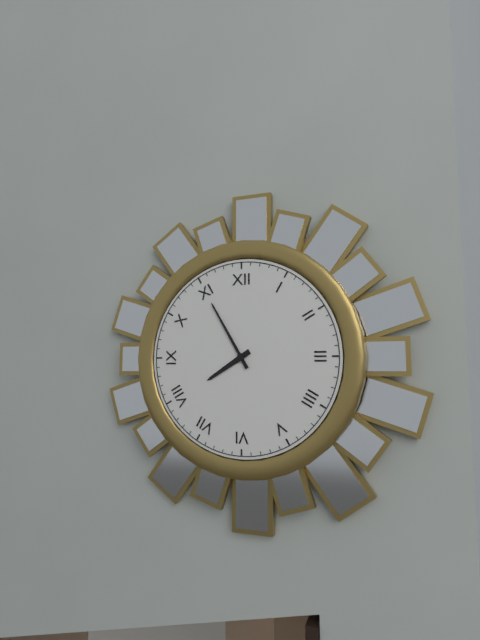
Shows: 7h55
